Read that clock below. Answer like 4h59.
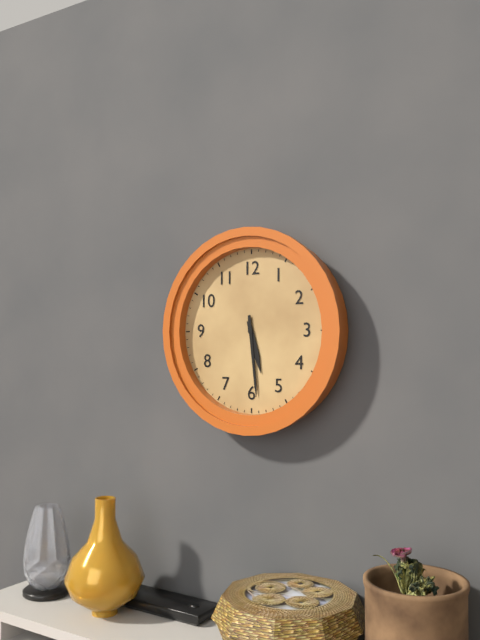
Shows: 5h29
